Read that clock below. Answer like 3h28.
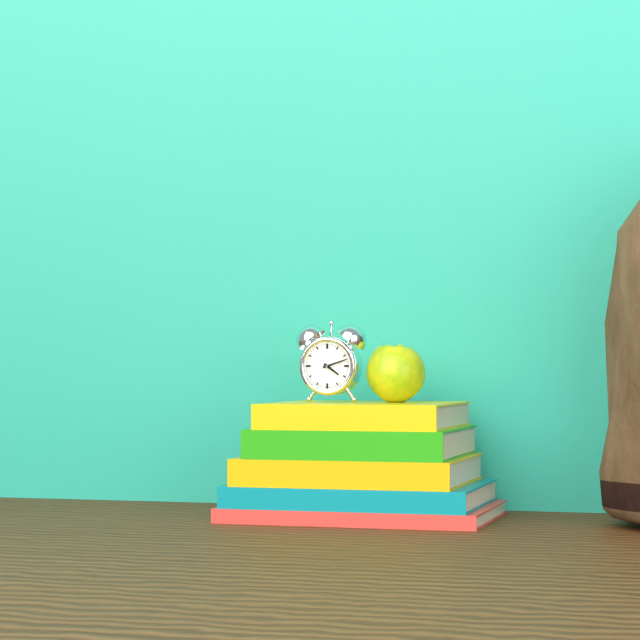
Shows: 4h12
